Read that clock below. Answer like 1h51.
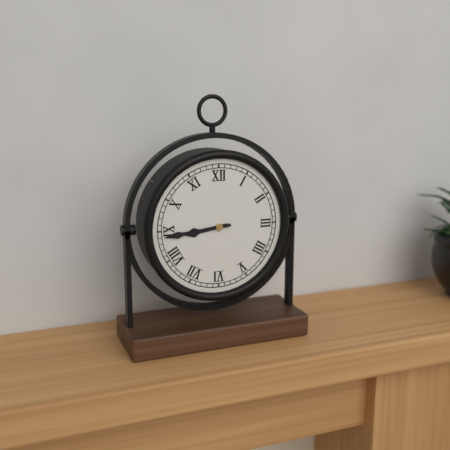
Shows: 8h44
